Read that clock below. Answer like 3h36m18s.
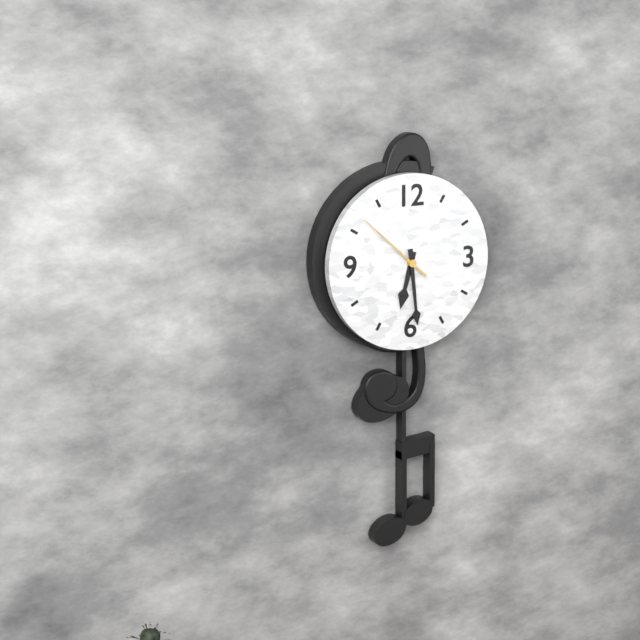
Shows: 6h29m52s
